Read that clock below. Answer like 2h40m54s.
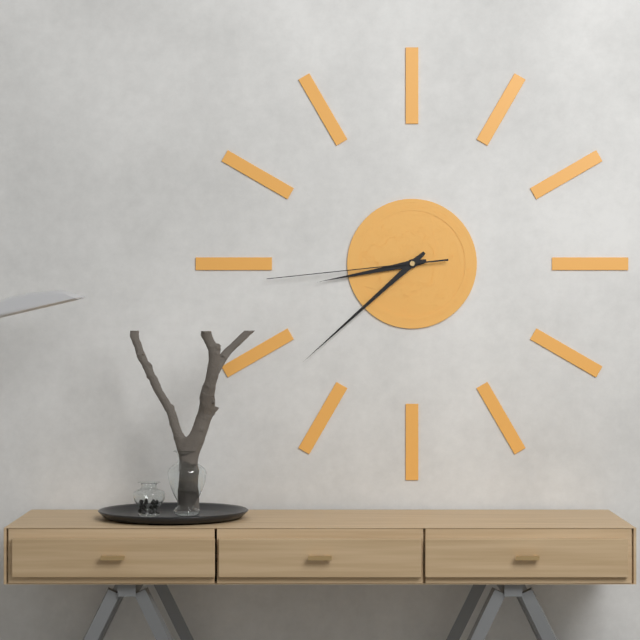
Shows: 8h38m44s
